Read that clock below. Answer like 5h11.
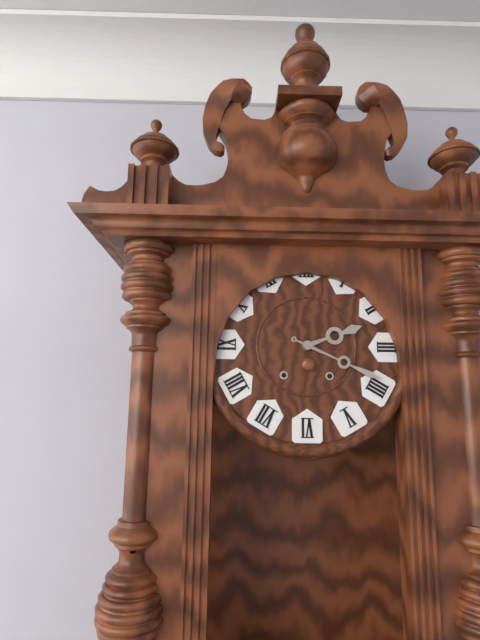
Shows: 2h19
